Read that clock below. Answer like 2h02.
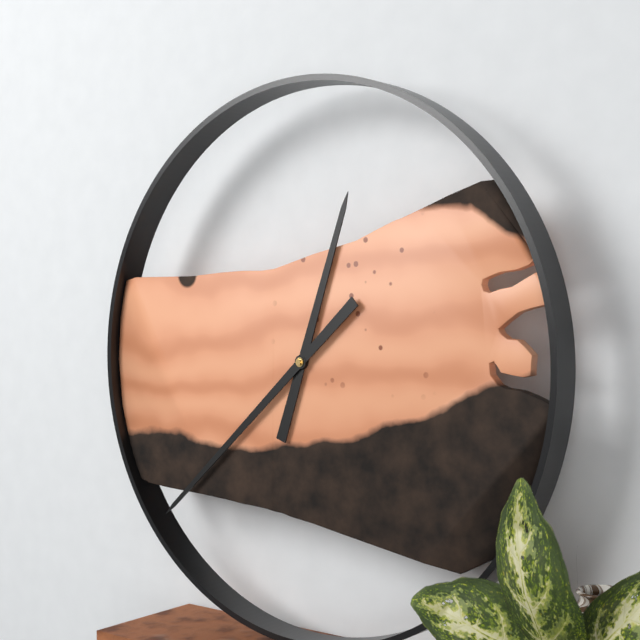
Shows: 12h38
